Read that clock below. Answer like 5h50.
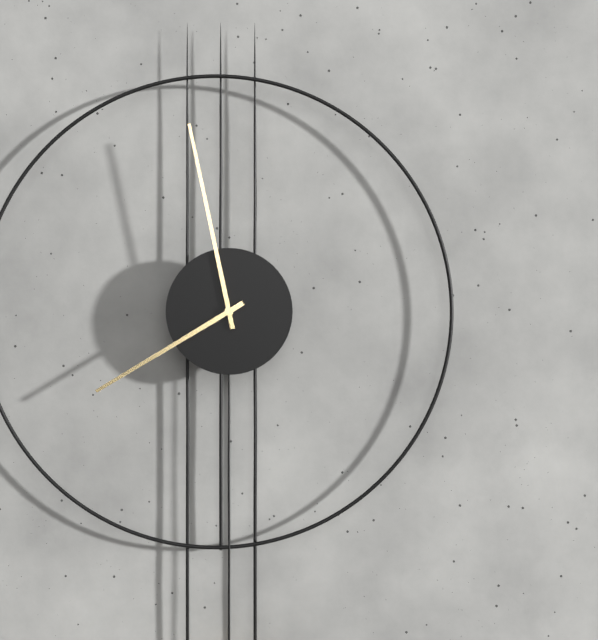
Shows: 7h58
